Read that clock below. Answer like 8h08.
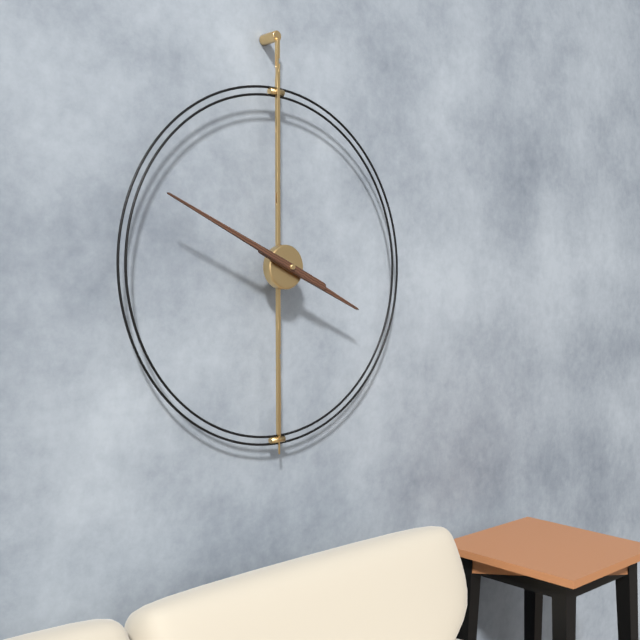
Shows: 3h49
